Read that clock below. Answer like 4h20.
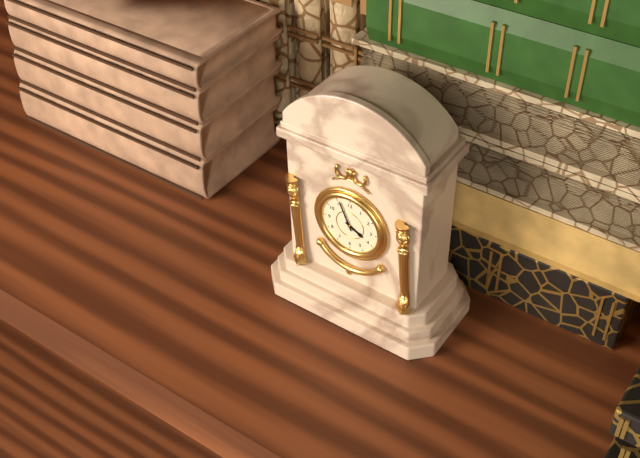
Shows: 3h56
